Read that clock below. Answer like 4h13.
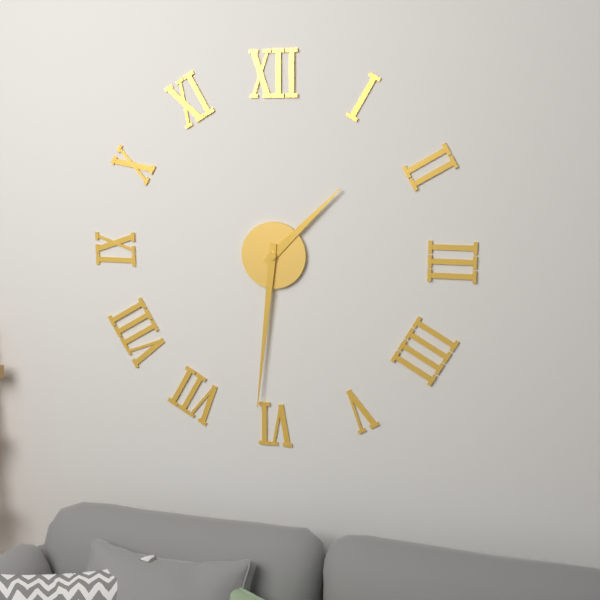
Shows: 1h31
